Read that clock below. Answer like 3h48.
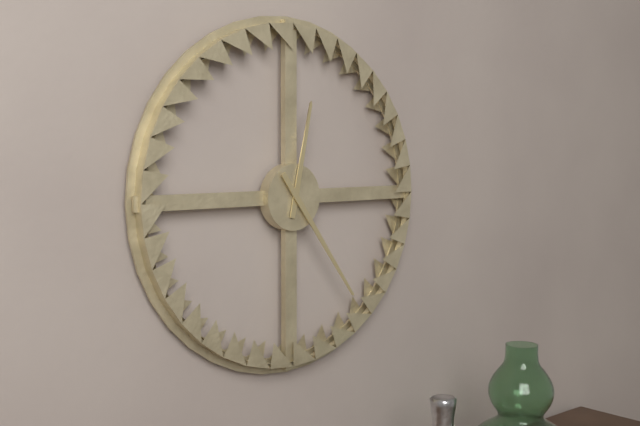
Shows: 12h24
